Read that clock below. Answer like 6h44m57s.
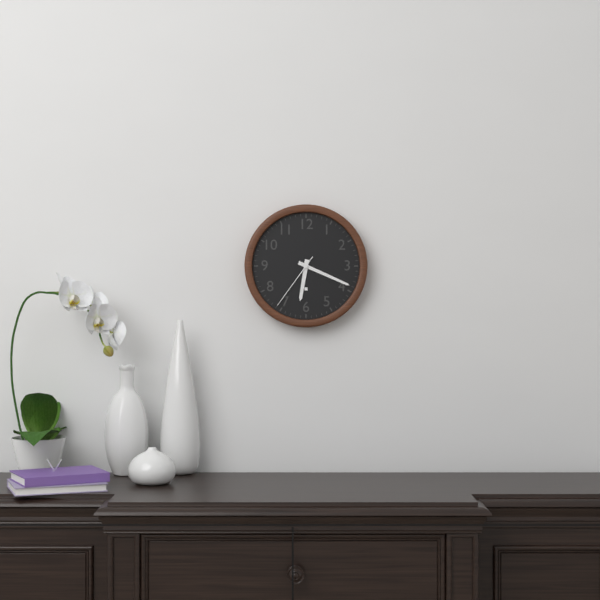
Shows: 6h19m36s
